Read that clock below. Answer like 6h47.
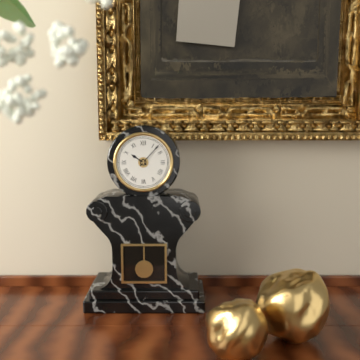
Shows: 10h07
